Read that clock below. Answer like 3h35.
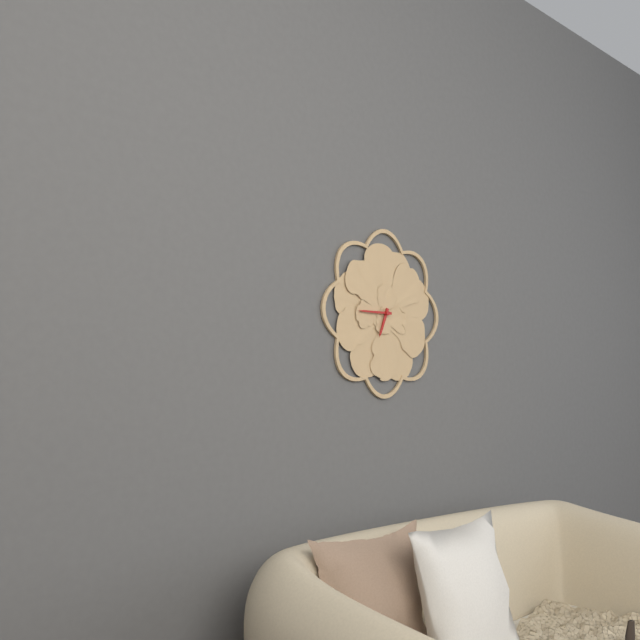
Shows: 6h45
